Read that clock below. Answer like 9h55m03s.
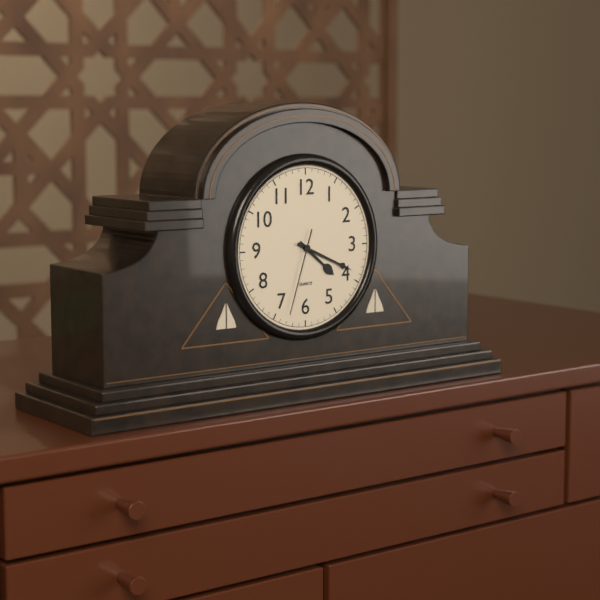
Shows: 4h19m33s
